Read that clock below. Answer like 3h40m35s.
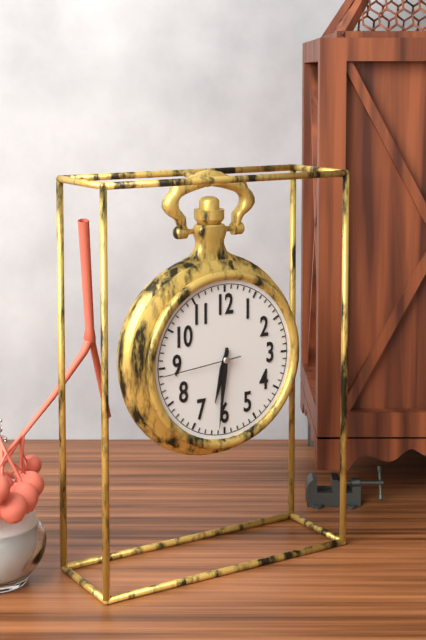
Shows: 6h31m44s
